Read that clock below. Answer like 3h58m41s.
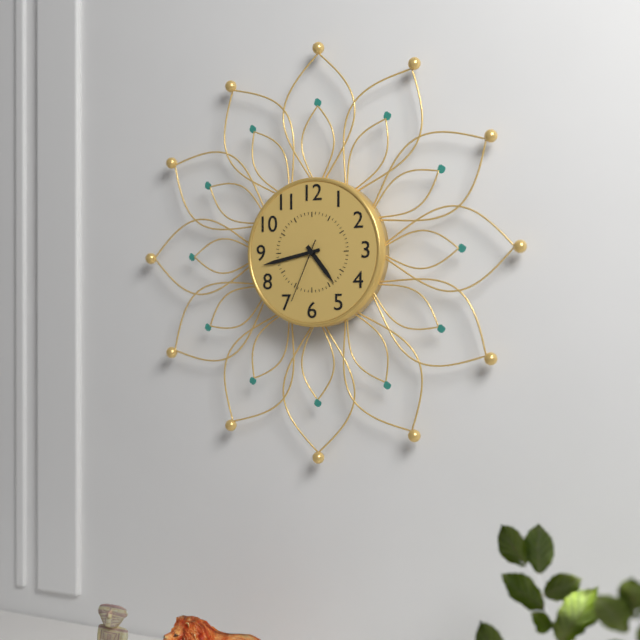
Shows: 4h43m34s
